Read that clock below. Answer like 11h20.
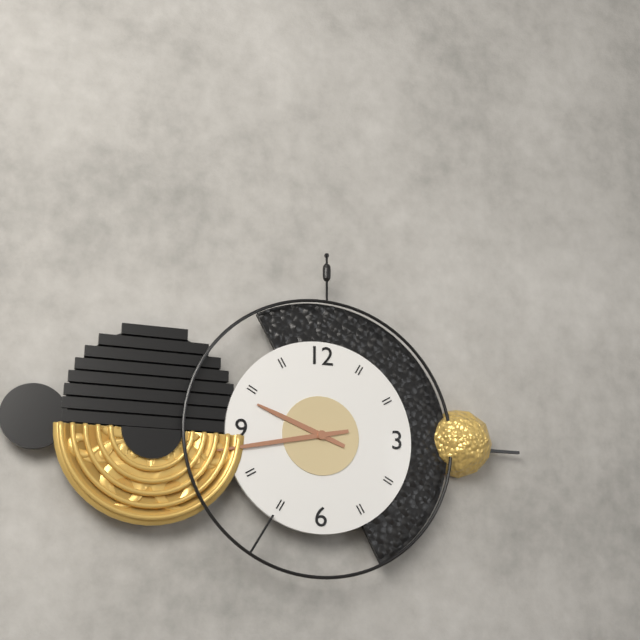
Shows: 9h43
